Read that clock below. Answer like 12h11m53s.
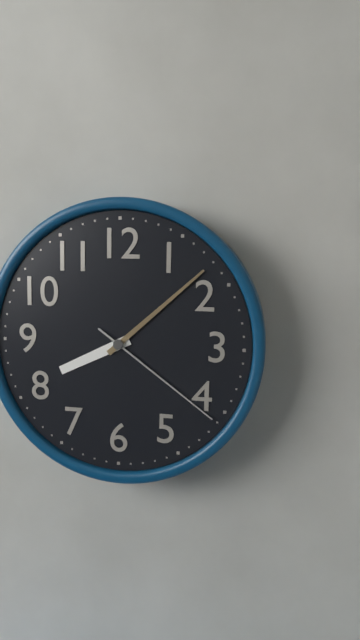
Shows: 8h08m21s
